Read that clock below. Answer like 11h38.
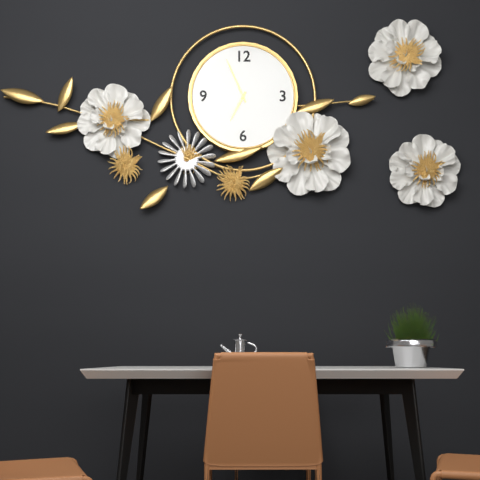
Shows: 6h56
